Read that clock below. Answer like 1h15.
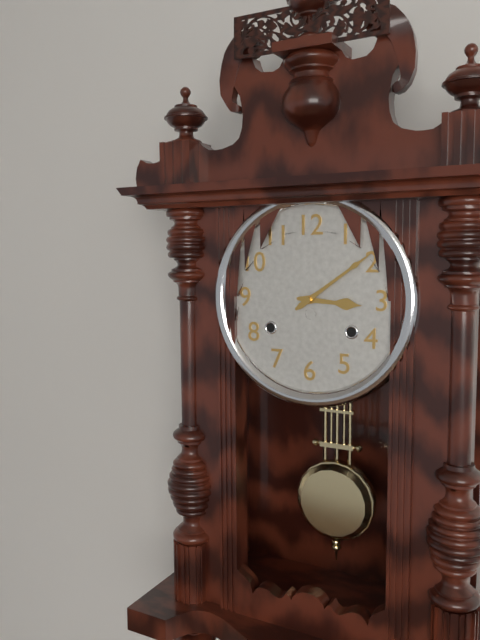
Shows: 3h09
